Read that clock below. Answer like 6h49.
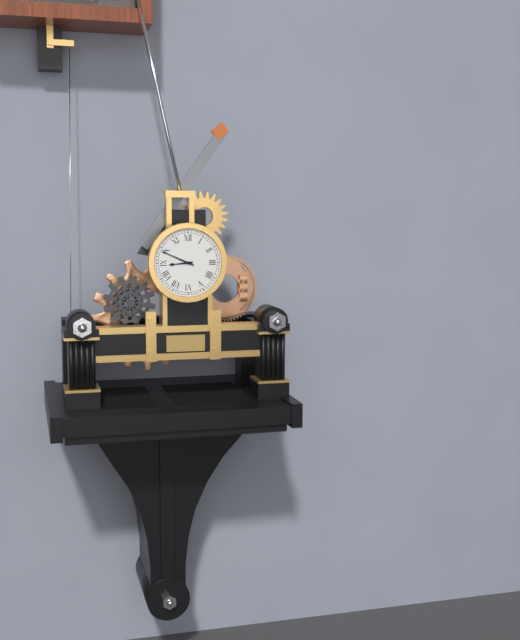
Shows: 8h49
